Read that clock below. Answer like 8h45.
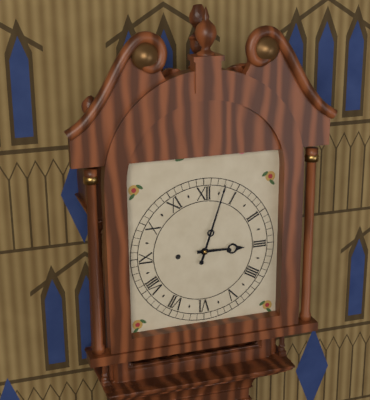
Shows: 3h03
